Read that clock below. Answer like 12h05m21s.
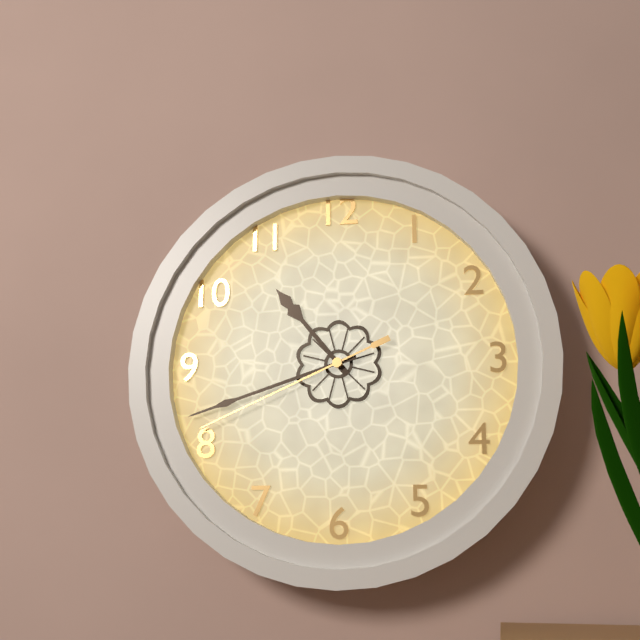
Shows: 10h42m41s
